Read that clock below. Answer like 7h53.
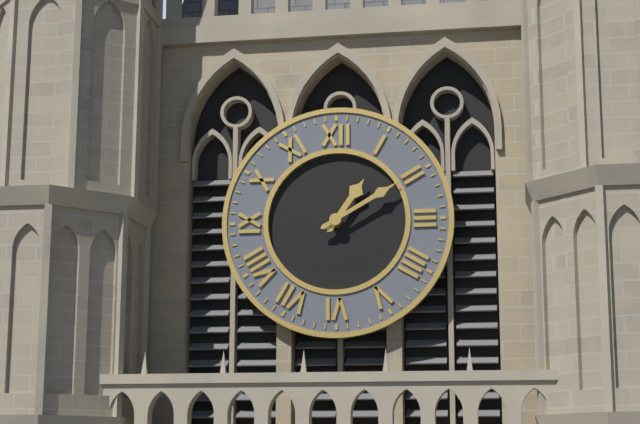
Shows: 1h10
